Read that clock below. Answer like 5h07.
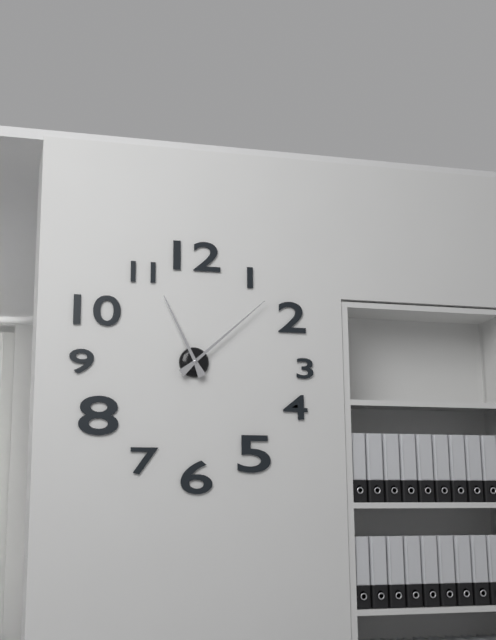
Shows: 11h08
